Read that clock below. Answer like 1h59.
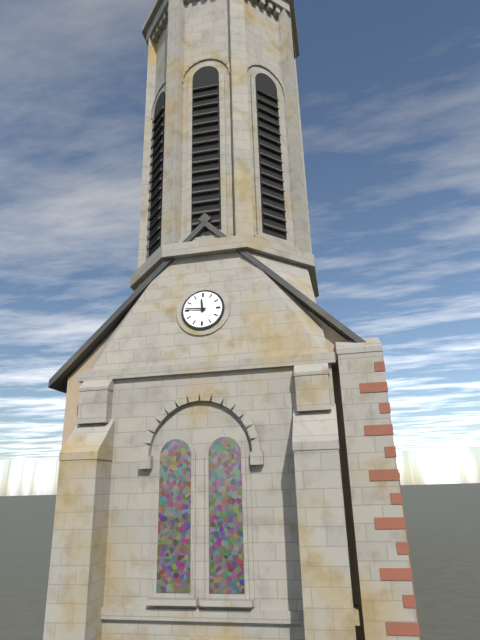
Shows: 11h46
